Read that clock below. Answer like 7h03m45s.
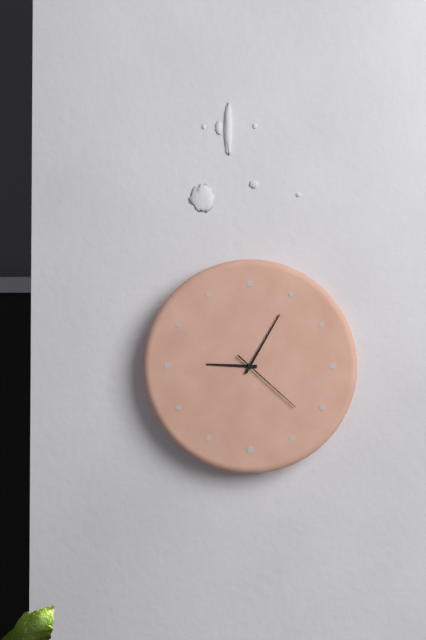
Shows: 9h05m22s
